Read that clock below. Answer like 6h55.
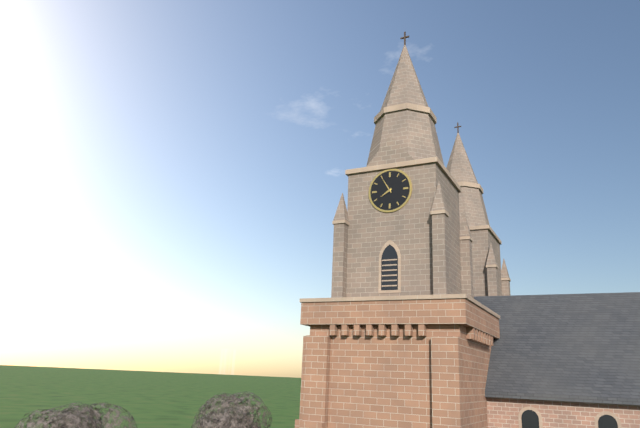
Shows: 7h55
